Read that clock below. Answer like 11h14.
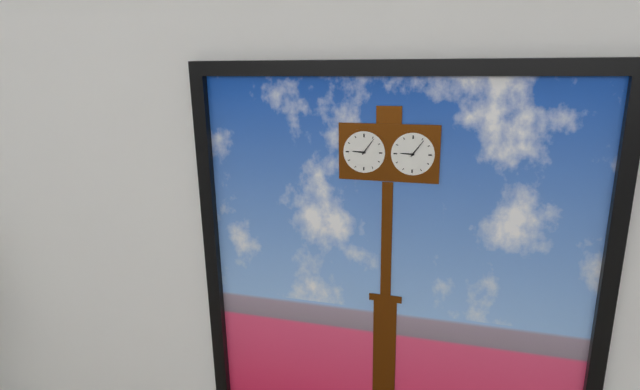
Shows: 9h06
